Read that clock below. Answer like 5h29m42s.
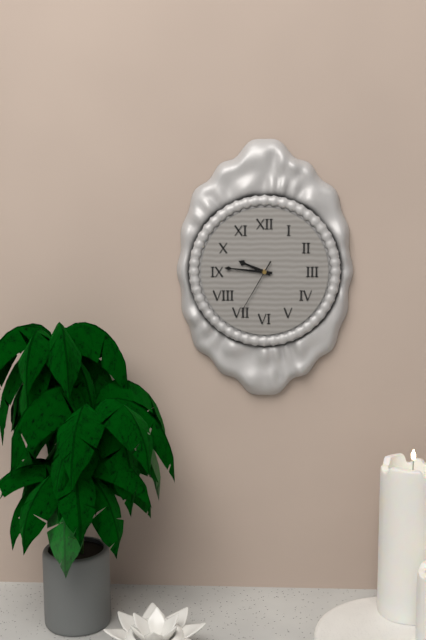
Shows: 9h46m35s
